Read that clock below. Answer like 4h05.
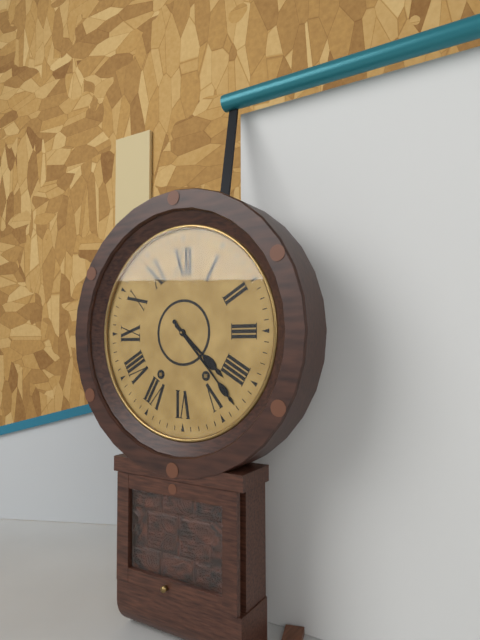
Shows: 4h23
